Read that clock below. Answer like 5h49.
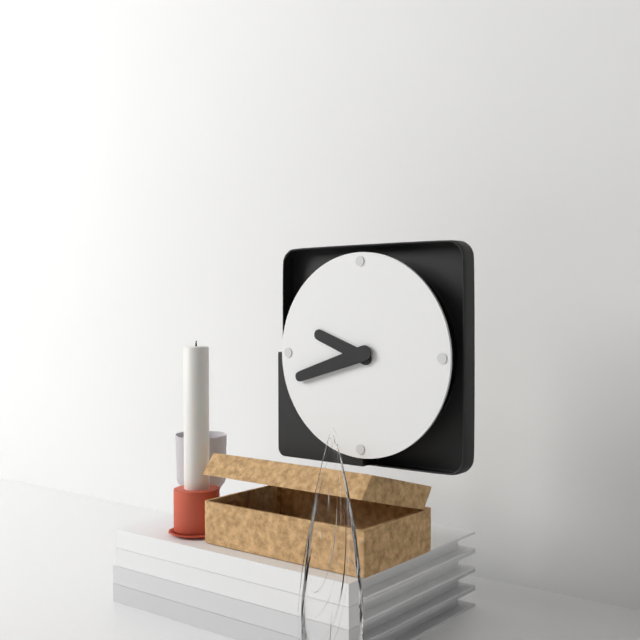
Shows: 9h42
